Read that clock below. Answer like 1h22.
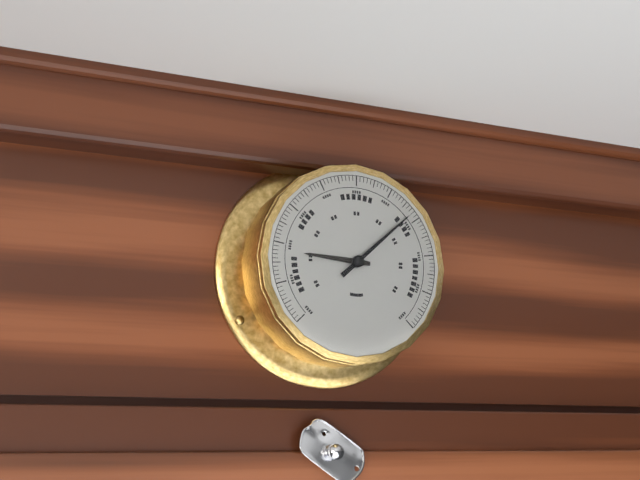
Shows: 9h08
